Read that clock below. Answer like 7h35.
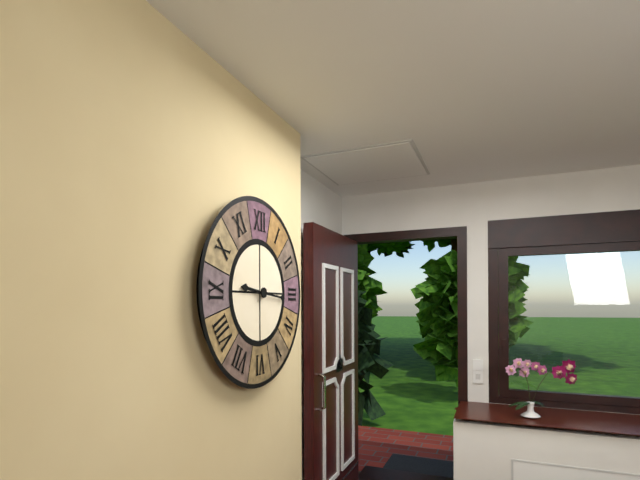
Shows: 9h16
